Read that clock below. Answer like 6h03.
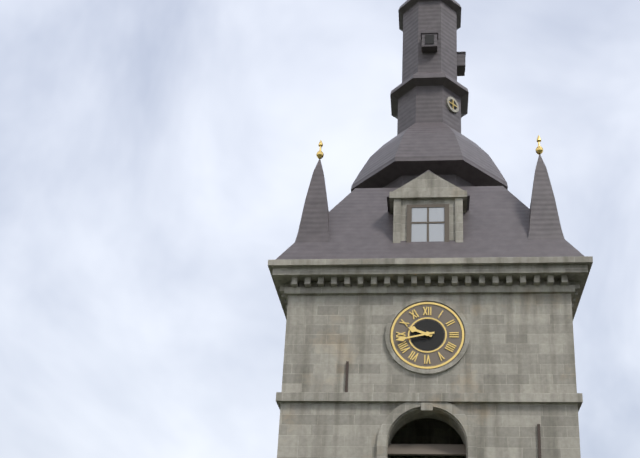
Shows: 9h43
